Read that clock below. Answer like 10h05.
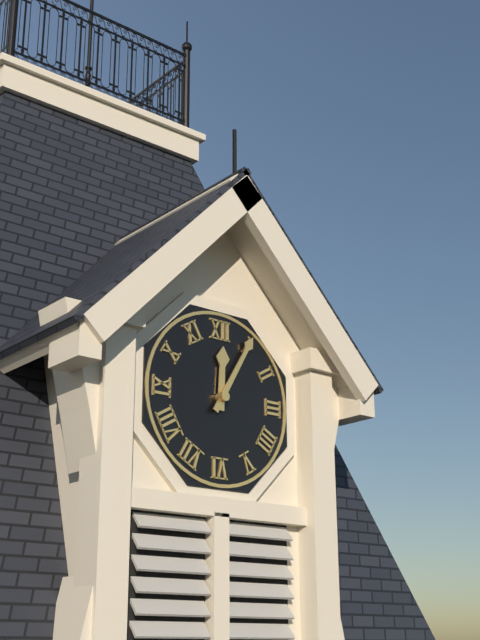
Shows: 12h05
